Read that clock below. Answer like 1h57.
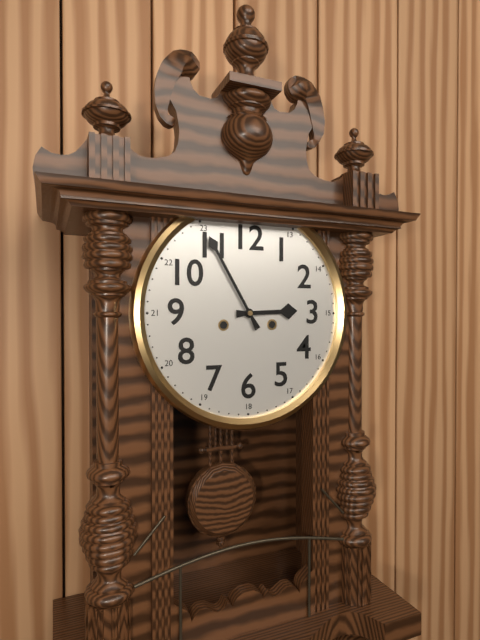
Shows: 2h55
